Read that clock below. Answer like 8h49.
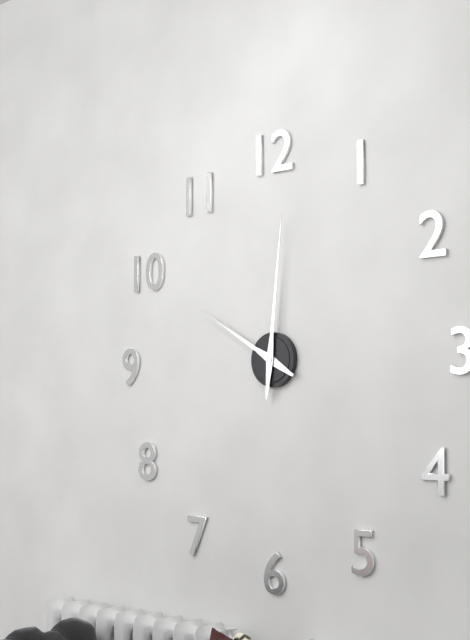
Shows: 10h01
